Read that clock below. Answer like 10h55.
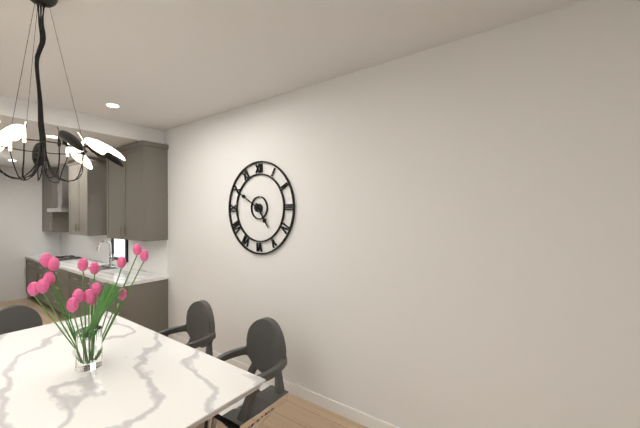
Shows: 4h50
